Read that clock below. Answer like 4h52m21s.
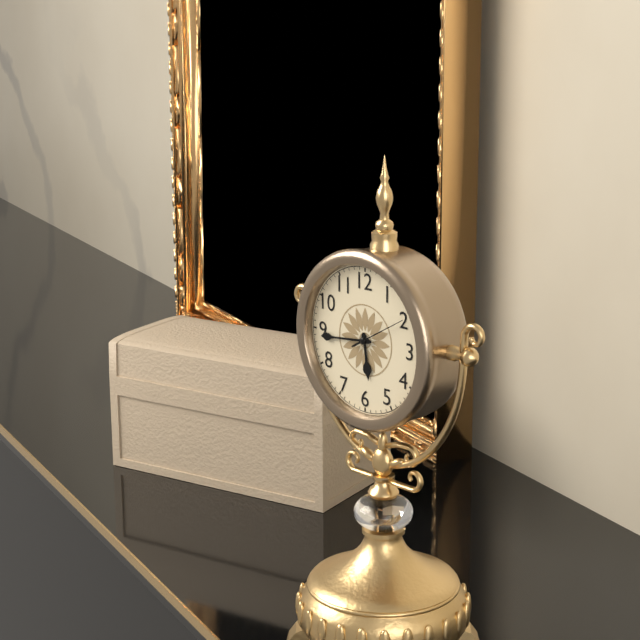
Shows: 5h44m10s
